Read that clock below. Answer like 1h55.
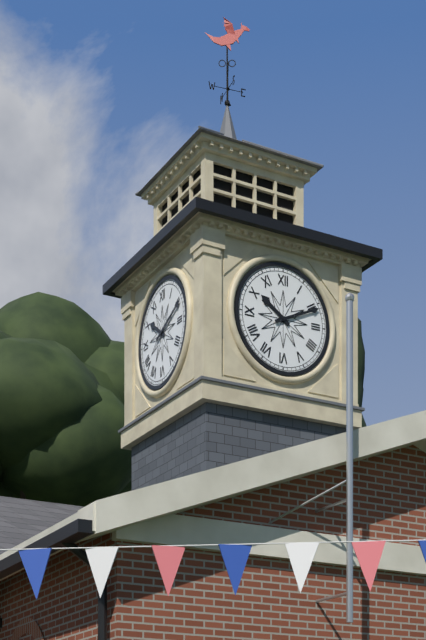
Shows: 10h11
